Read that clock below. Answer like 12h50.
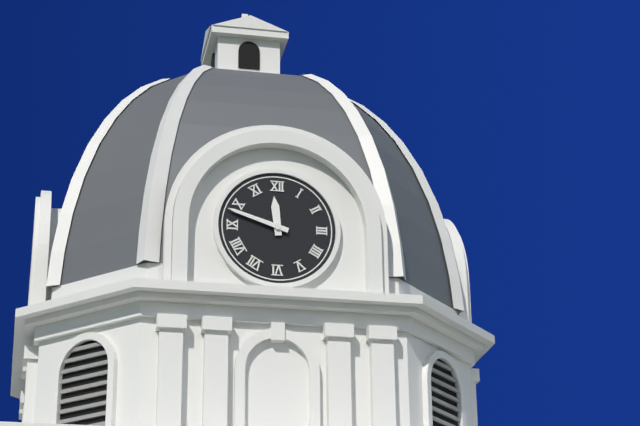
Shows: 11h48
